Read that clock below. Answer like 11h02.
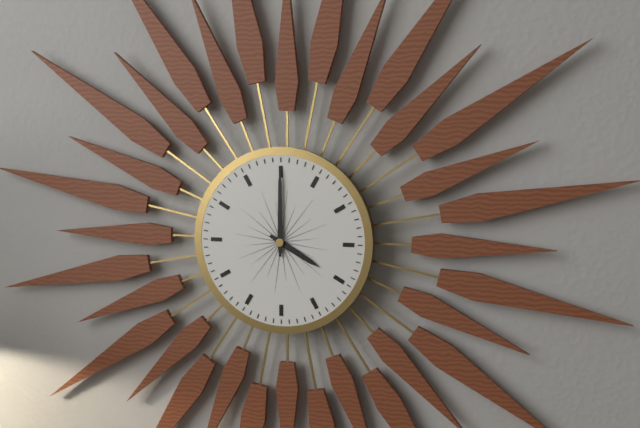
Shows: 4h00
